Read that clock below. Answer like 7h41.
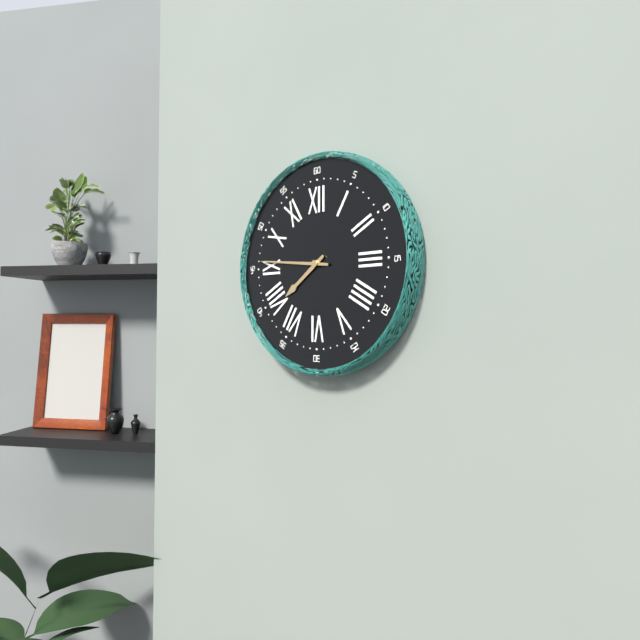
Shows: 7h46
